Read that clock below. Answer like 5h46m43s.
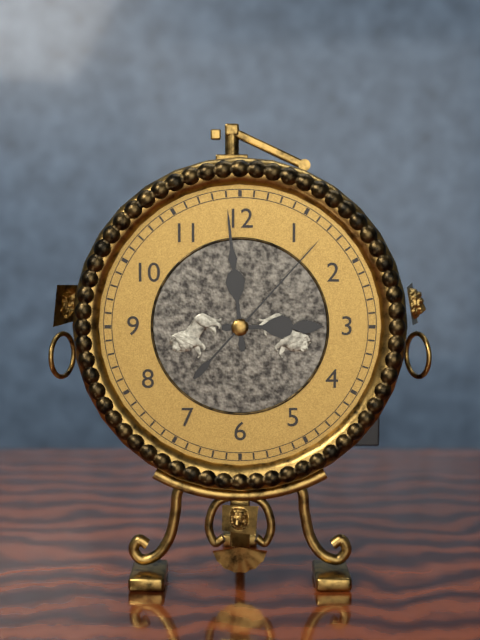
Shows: 2h59m07s
